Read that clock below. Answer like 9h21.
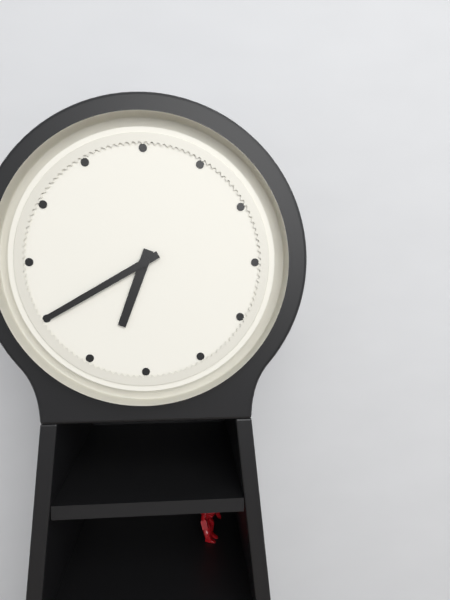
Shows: 6h40
